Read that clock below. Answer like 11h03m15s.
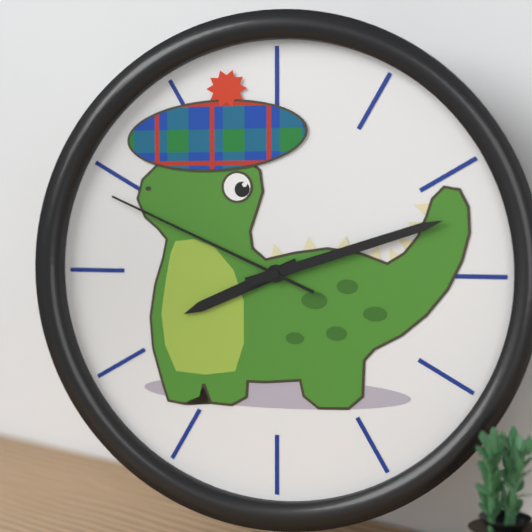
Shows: 8h12m49s
